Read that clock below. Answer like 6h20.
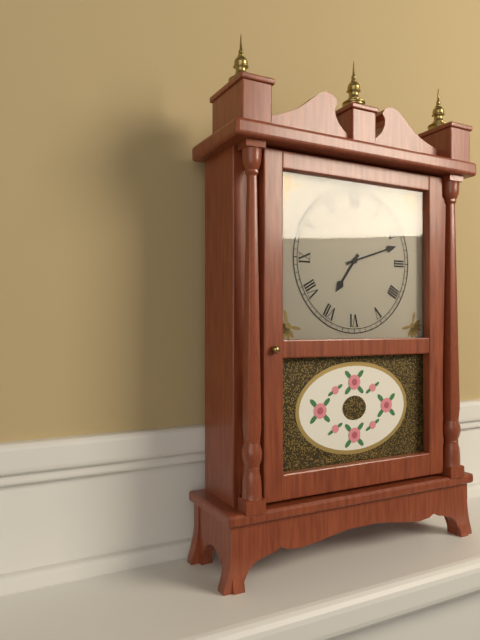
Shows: 7h12
